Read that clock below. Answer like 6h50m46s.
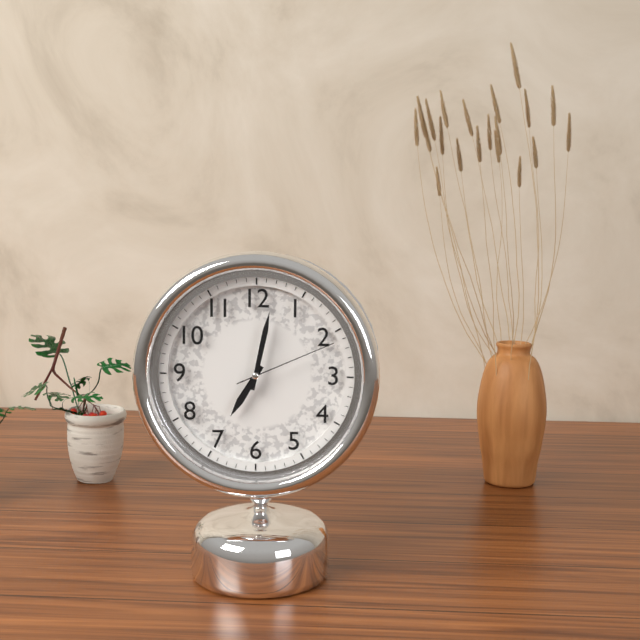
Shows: 7h02m11s
